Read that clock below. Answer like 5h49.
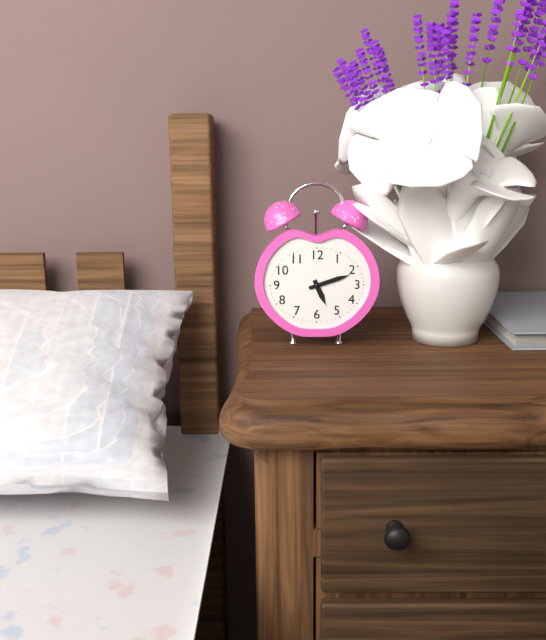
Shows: 5h12
